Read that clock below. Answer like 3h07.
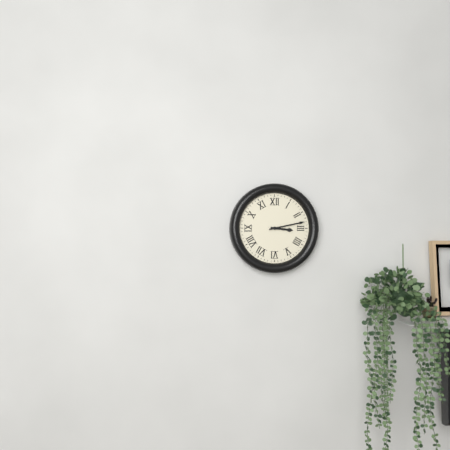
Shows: 3h13
